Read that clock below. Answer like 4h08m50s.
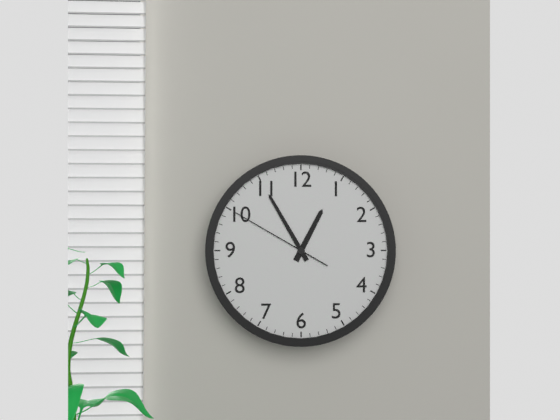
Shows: 12h55m50s
